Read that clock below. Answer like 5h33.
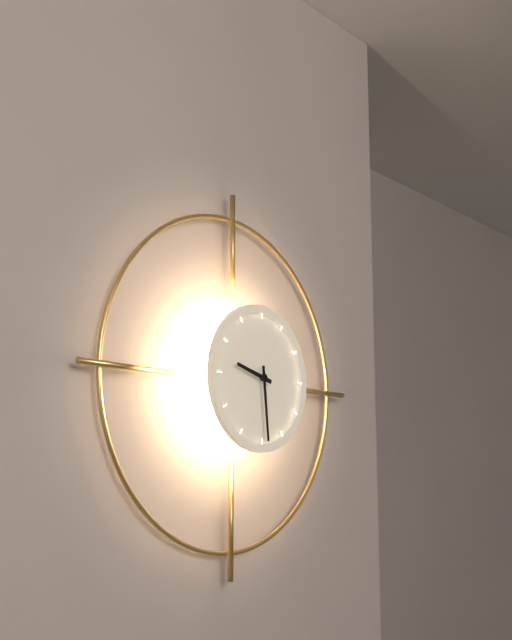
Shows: 9h29
